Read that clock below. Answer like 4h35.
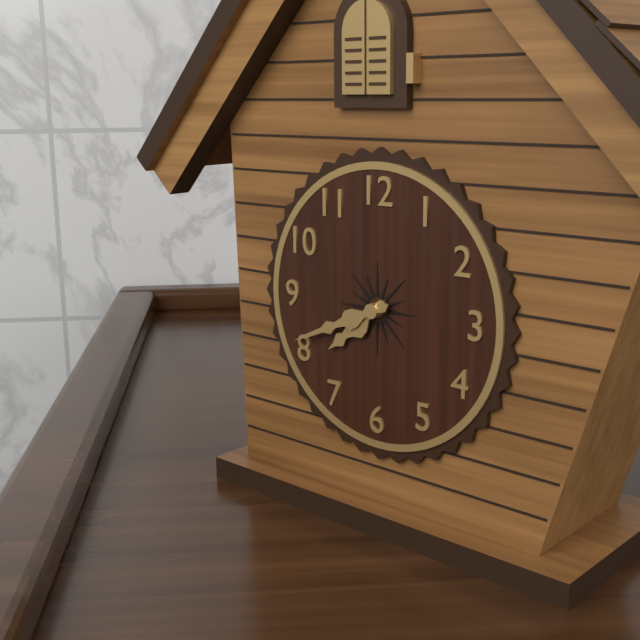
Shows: 7h41
